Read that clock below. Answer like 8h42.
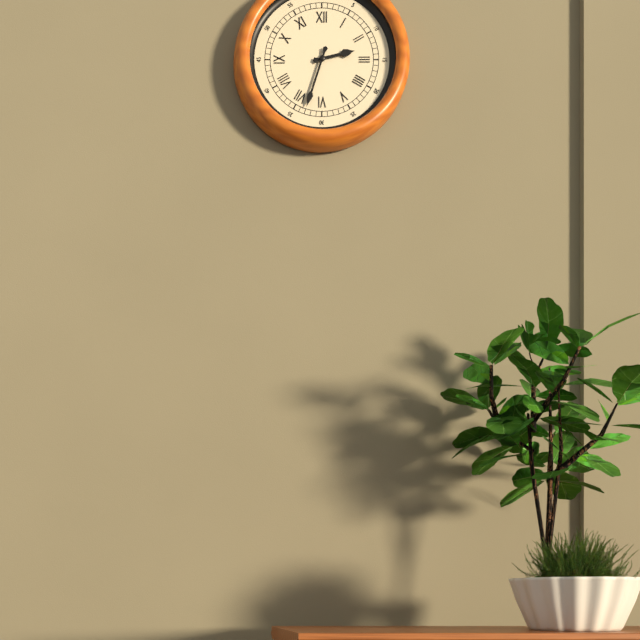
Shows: 2h33
